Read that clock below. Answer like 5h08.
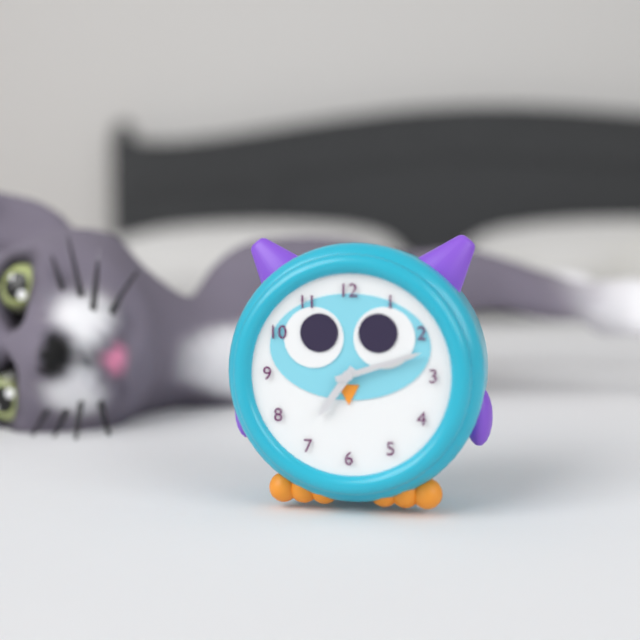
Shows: 7h12
